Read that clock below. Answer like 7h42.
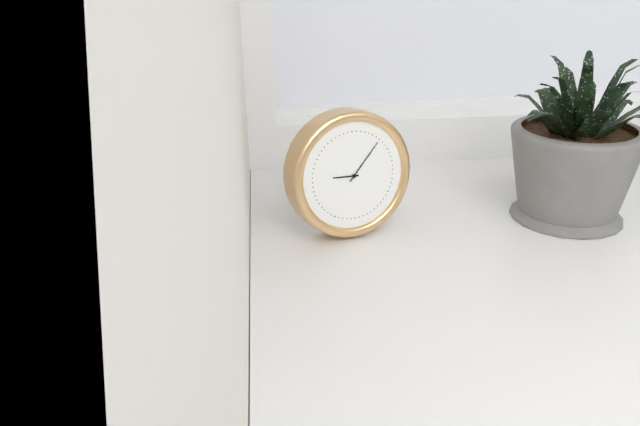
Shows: 9h07
